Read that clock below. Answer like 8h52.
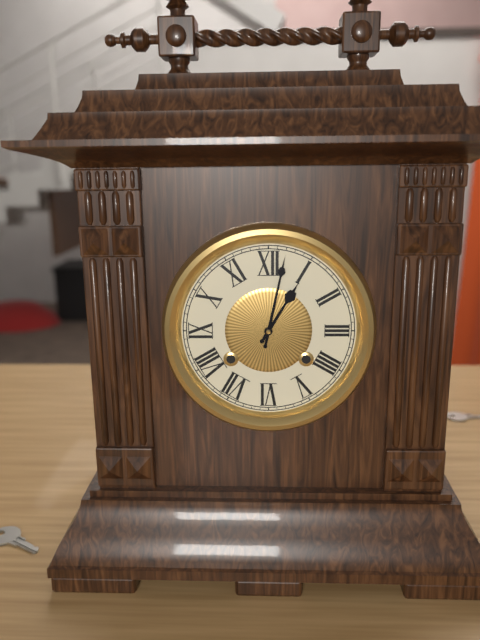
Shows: 1h02
